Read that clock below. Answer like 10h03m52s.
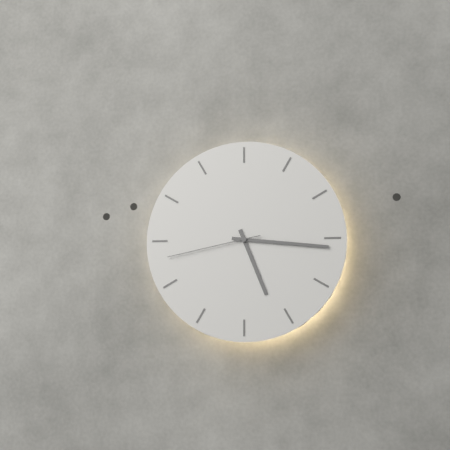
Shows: 5h16m43s
